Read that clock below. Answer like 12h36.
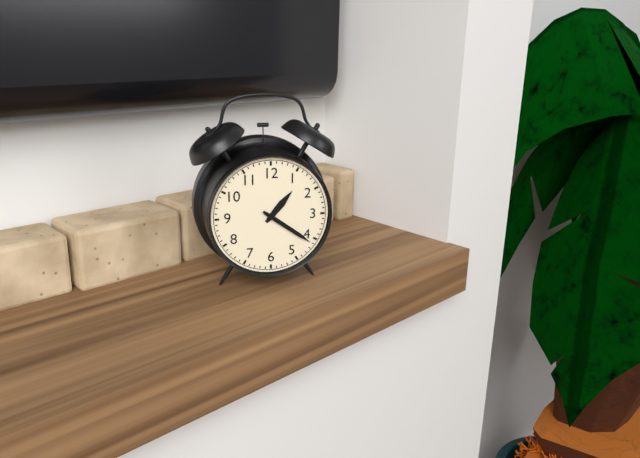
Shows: 1h21
